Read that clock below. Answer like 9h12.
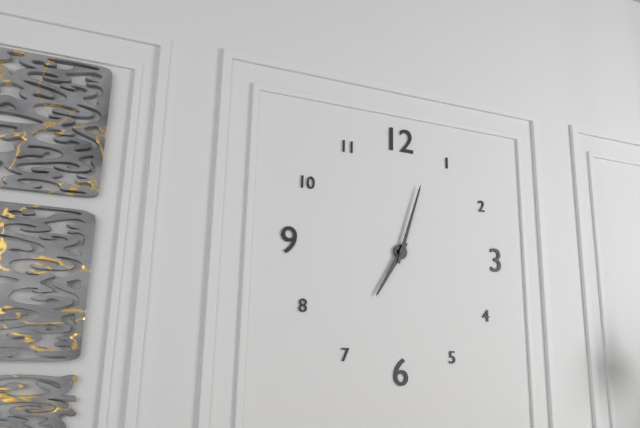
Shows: 7h03
